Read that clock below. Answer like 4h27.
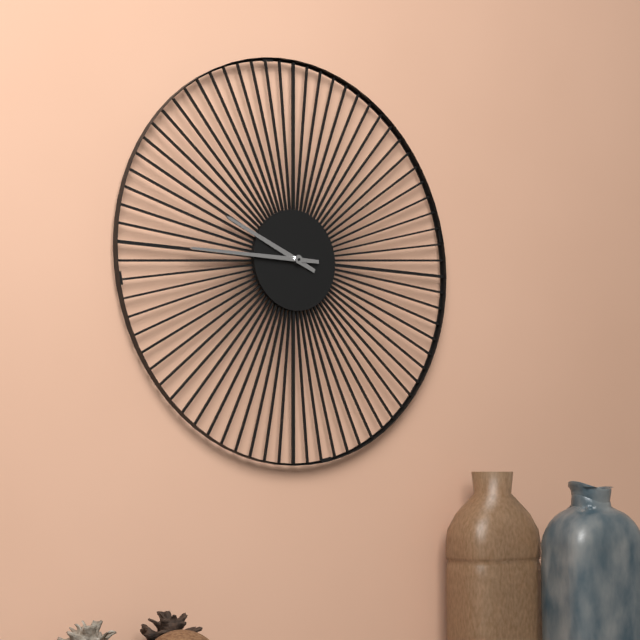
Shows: 9h45
